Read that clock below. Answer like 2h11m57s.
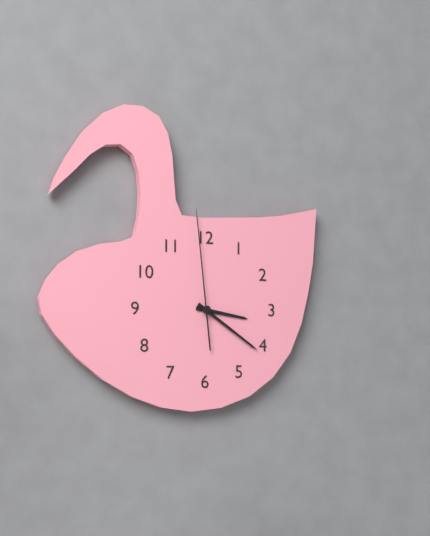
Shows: 3h21m59s
